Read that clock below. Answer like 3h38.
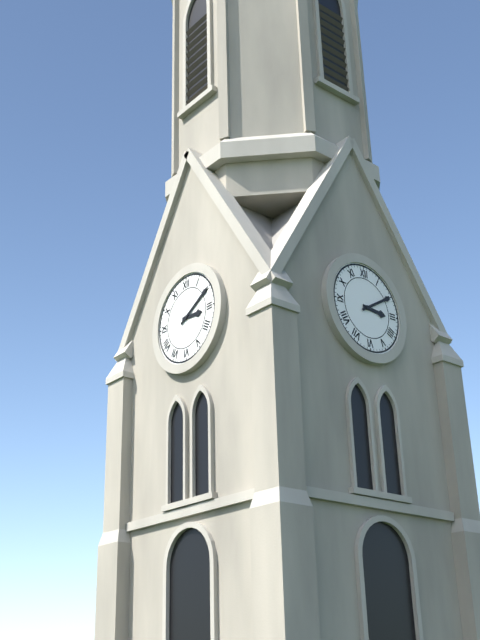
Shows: 3h10
